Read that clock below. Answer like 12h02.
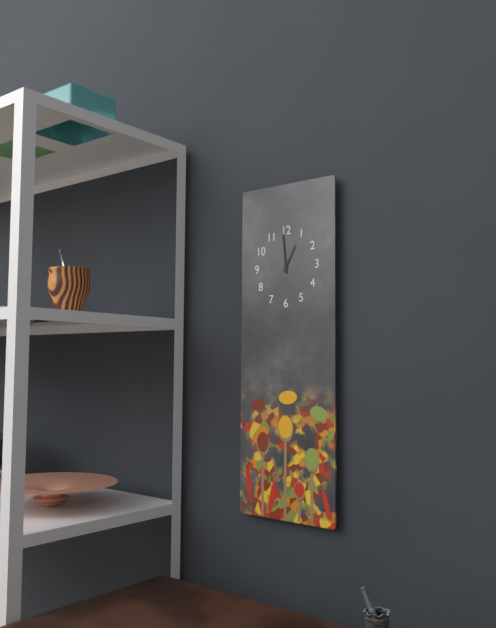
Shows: 12h59
